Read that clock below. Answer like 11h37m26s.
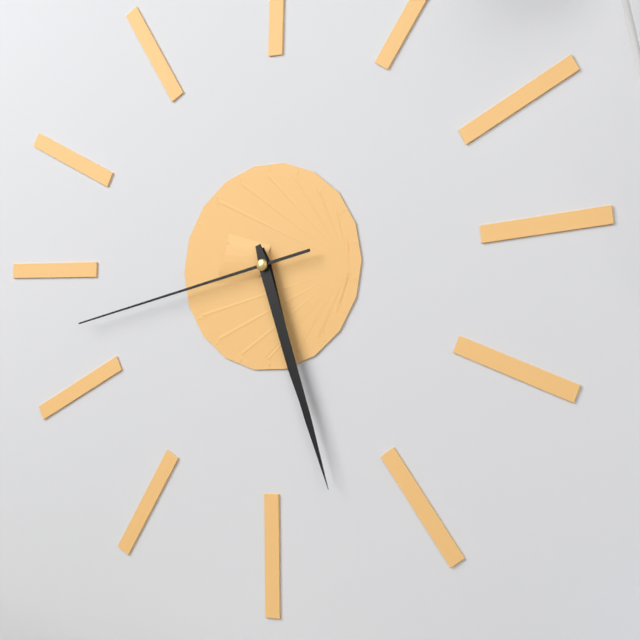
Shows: 5h27m43s
